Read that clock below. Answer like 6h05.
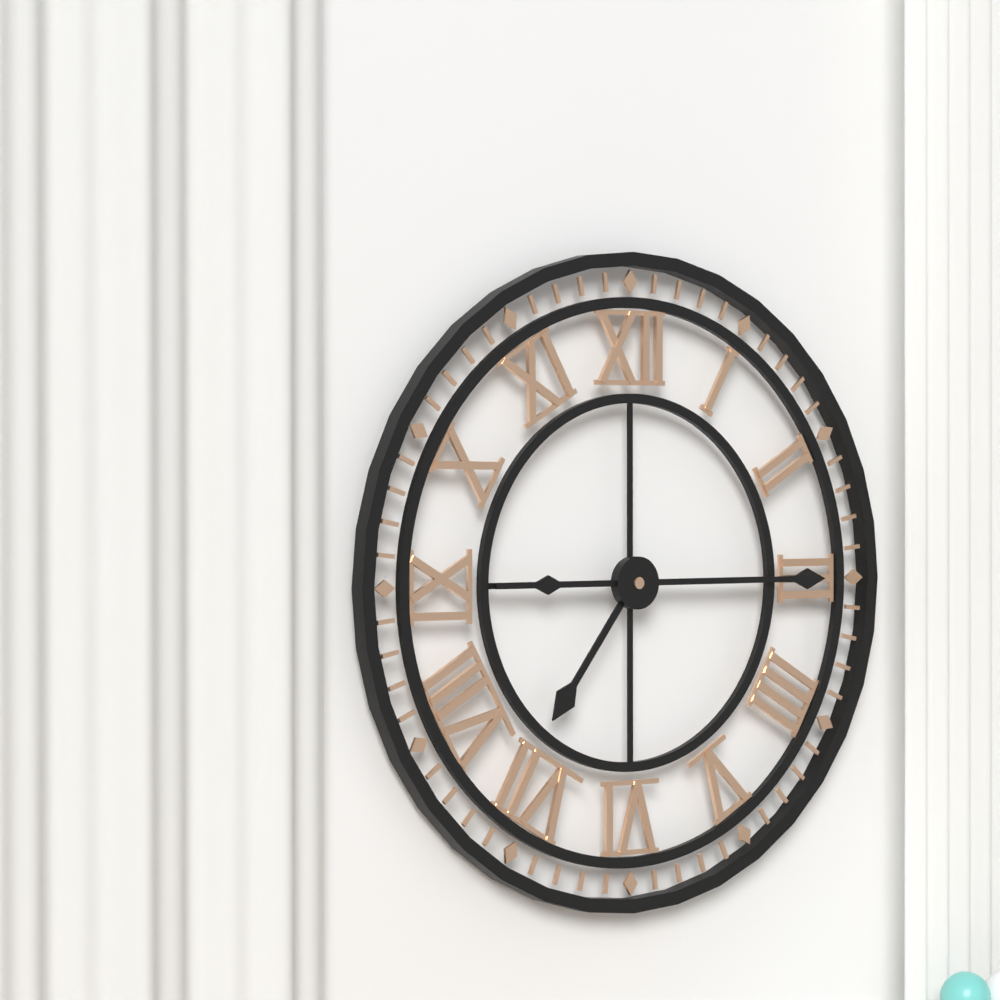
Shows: 7h15
